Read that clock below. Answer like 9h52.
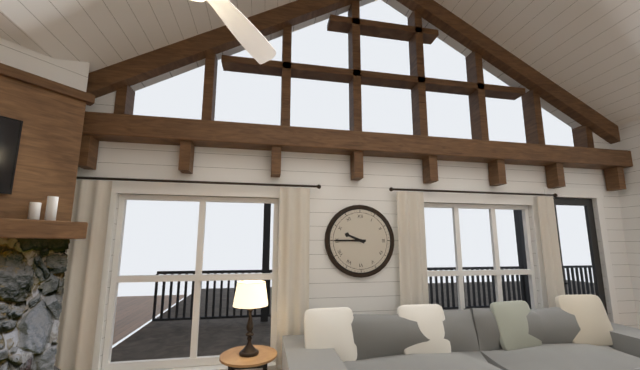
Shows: 9h45
